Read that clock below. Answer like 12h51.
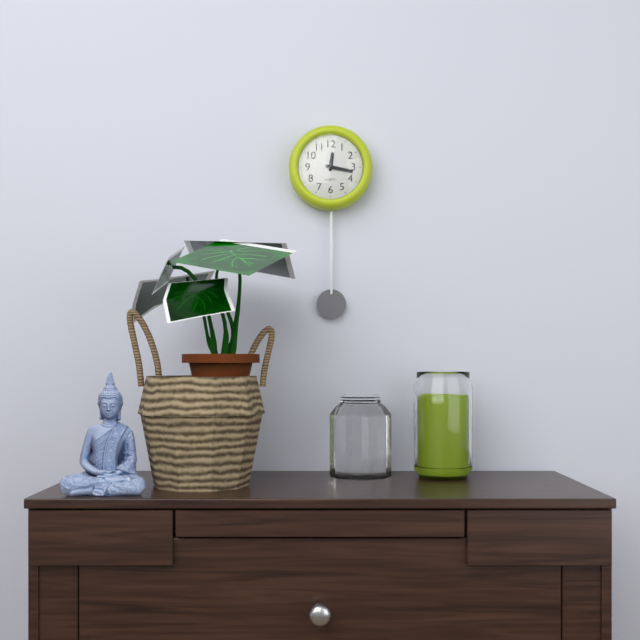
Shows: 12h17
